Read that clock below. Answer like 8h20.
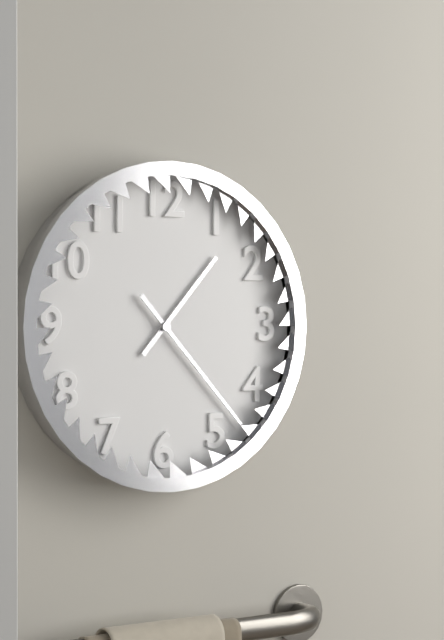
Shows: 1h23
